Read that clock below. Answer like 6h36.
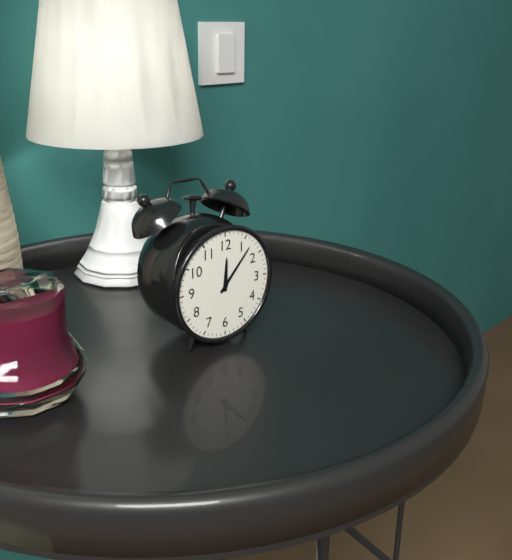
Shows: 12h07
